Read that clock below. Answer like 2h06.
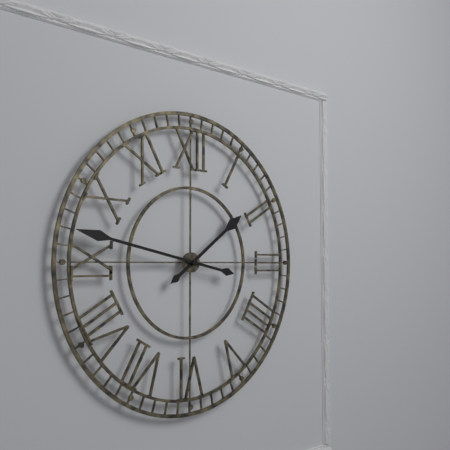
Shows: 1h47
